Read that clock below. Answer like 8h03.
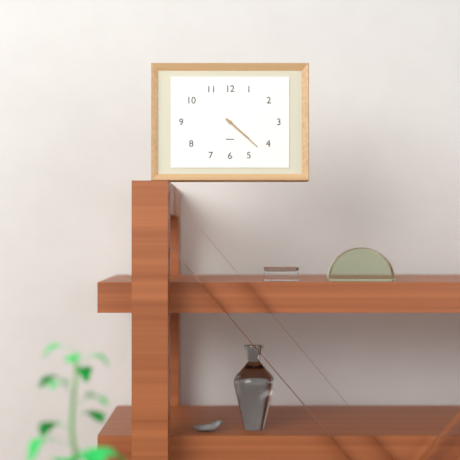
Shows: 4h22
